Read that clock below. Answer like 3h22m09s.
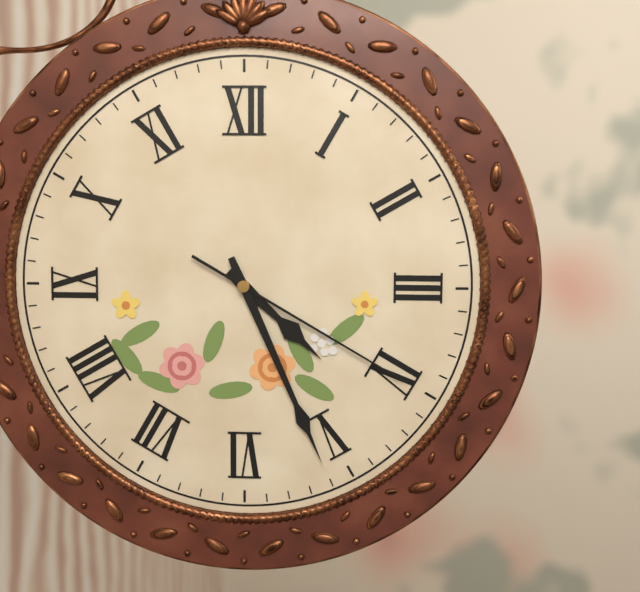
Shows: 4h26m20s
